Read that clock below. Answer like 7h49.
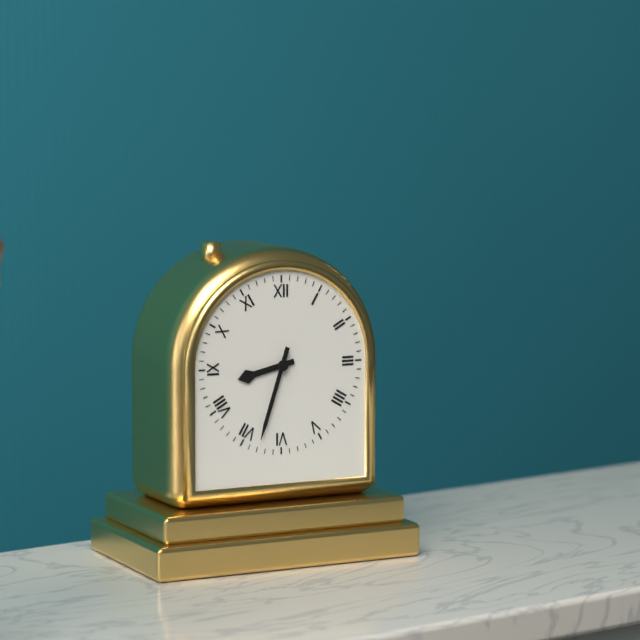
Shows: 8h33
